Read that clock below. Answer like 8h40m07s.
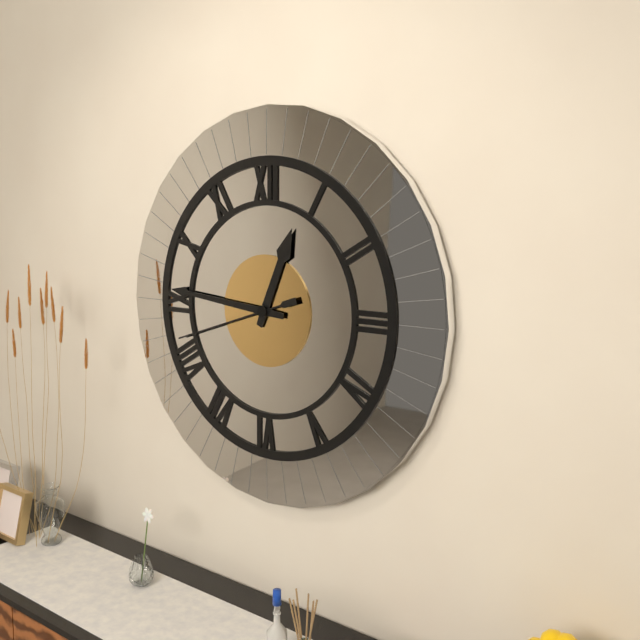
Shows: 12h46m42s
